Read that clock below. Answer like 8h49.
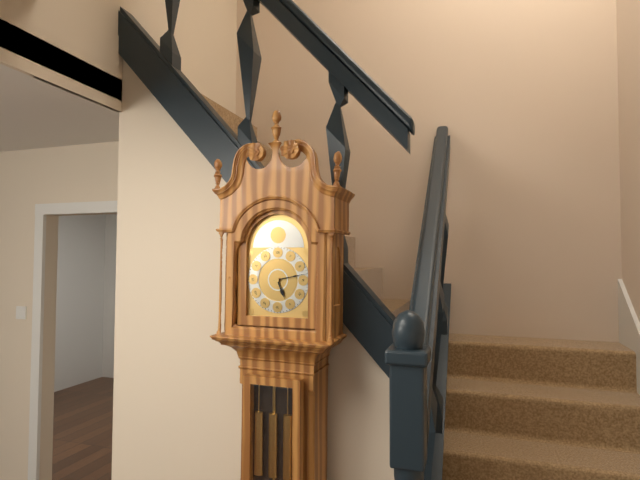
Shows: 5h13
